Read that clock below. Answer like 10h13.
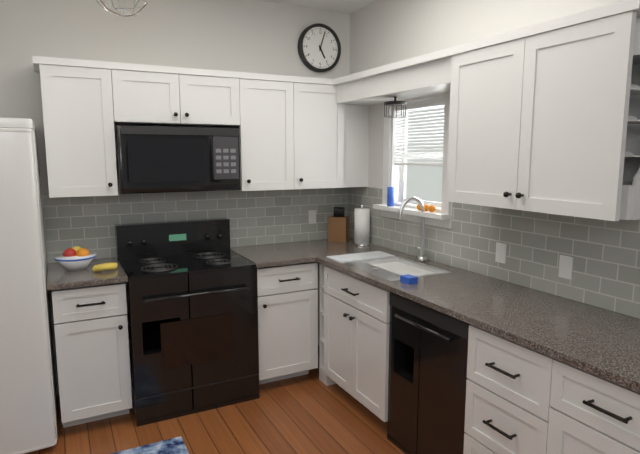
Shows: 5h03
